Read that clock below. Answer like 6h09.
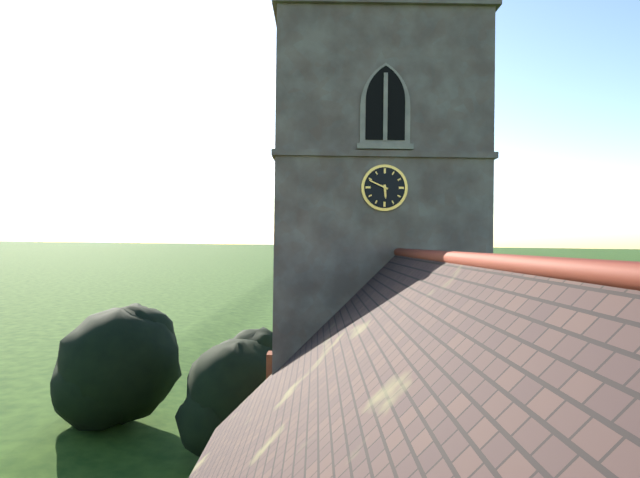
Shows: 5h49
